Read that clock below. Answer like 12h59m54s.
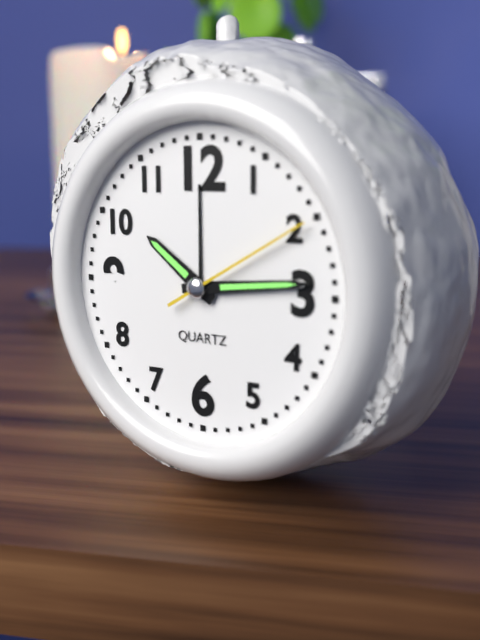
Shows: 10h14m10s
